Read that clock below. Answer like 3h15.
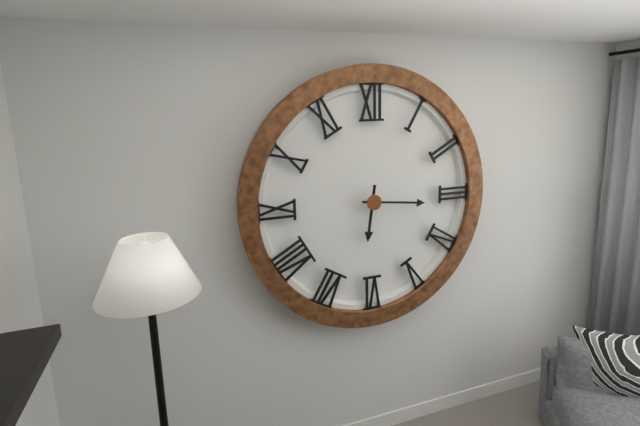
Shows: 6h16
